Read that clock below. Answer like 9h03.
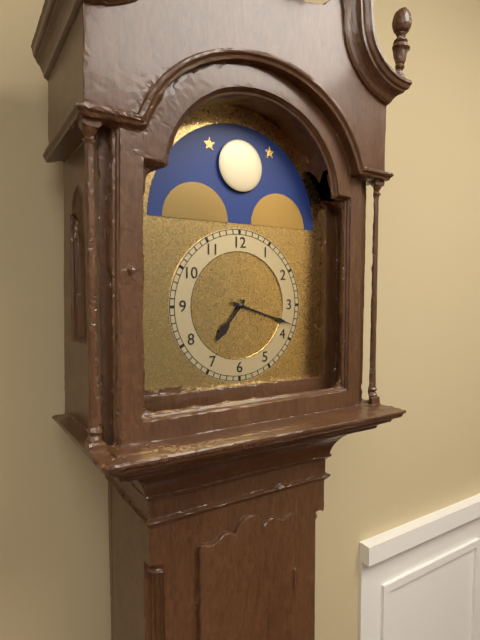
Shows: 7h18
